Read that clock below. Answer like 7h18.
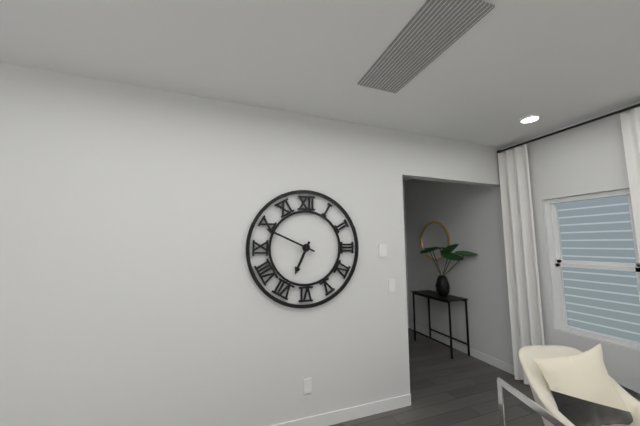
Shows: 6h49
